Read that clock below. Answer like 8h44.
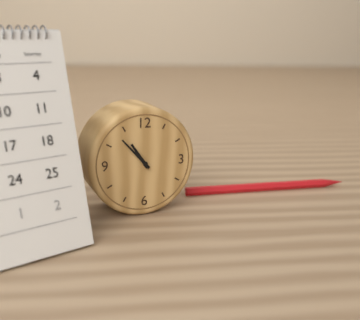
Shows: 10h53
